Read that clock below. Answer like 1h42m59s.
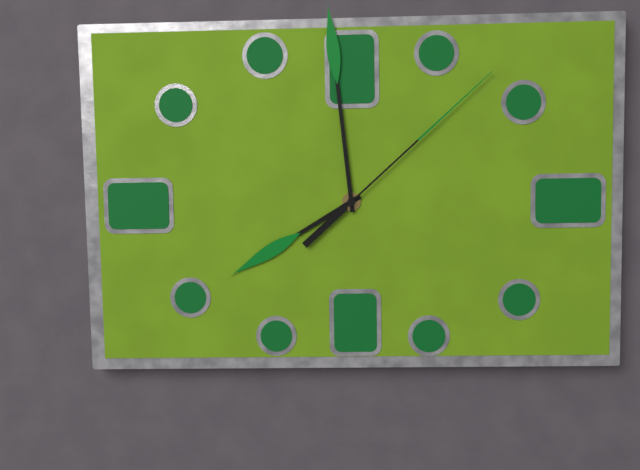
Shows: 7h59m08s
